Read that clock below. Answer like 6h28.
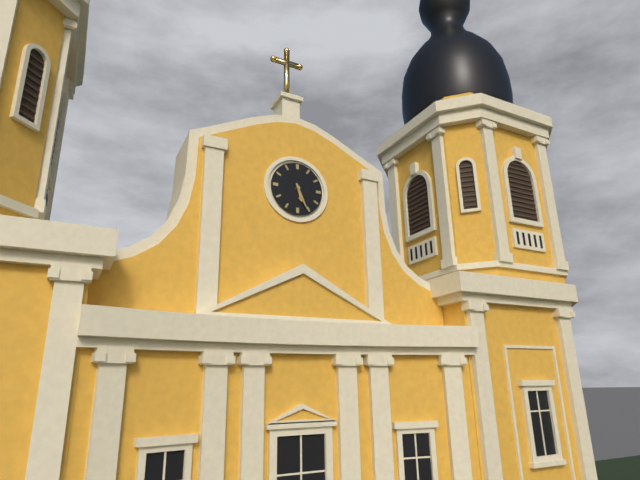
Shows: 5h26
